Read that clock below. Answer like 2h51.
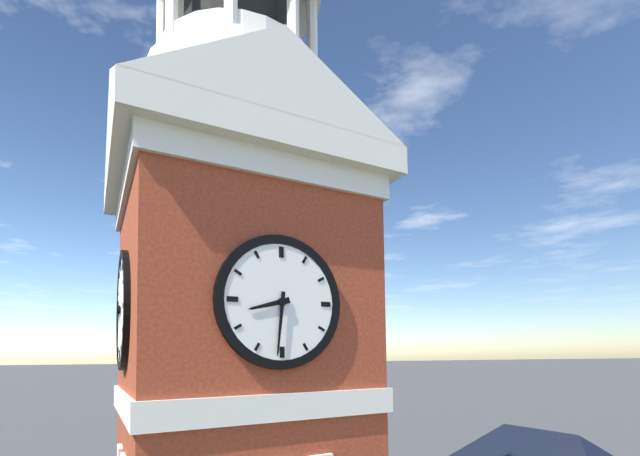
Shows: 8h31
